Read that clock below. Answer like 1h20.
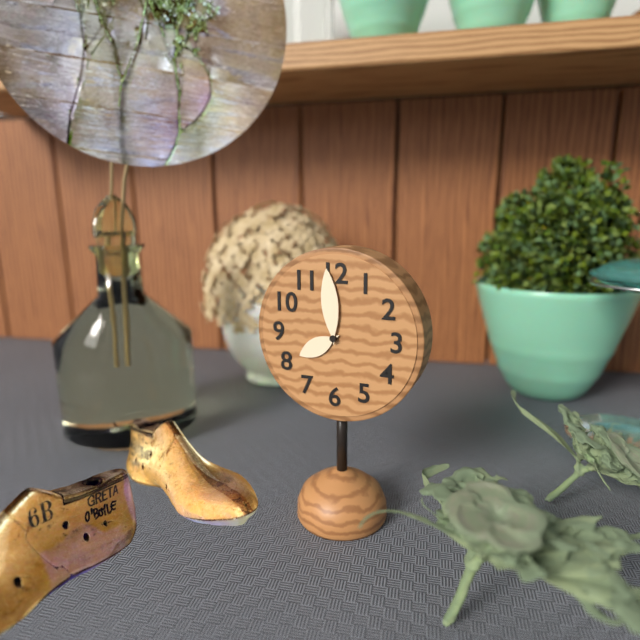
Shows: 7h59
